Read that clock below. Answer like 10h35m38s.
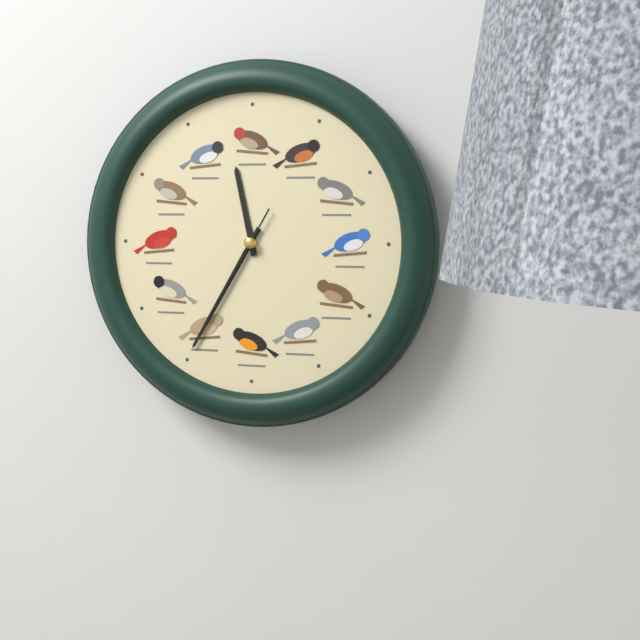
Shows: 11h35m35s
